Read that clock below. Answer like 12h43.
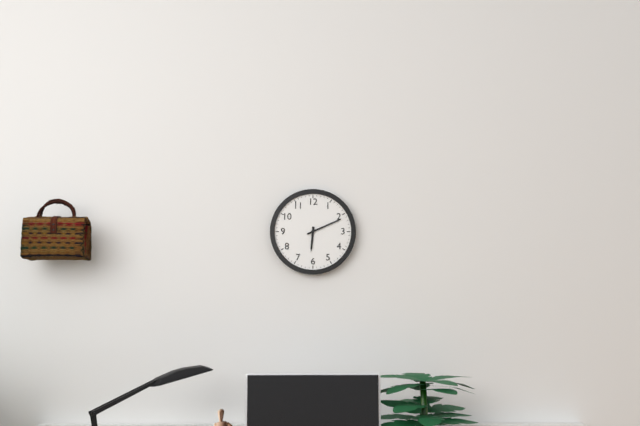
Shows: 6h11
